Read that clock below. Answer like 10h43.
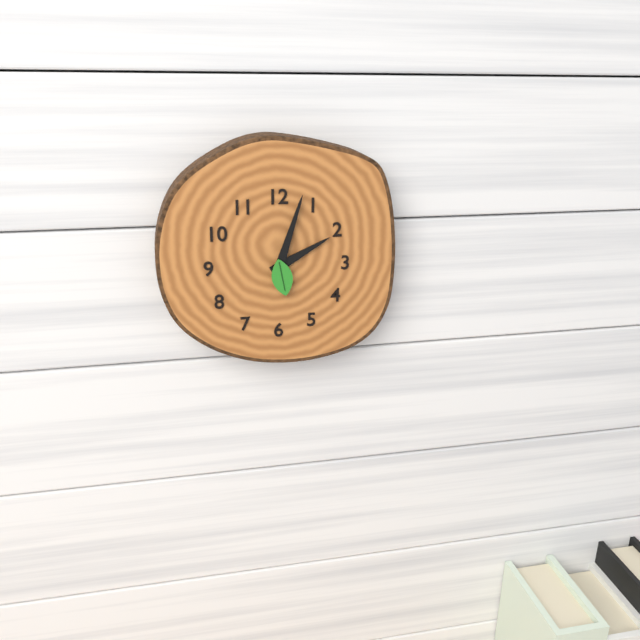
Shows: 2h03
